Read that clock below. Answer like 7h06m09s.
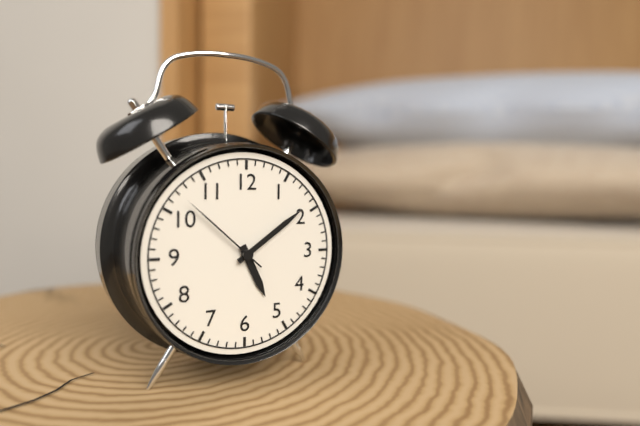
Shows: 5h09m52s
